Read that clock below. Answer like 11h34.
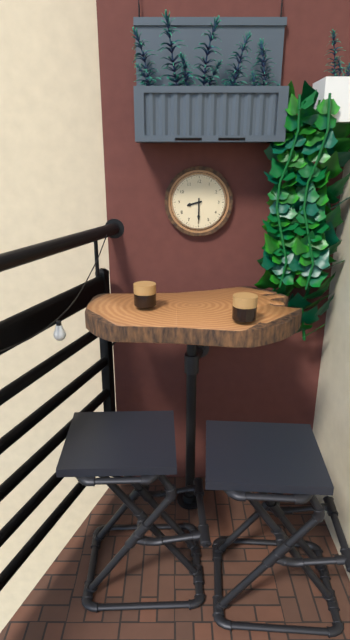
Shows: 8h30
